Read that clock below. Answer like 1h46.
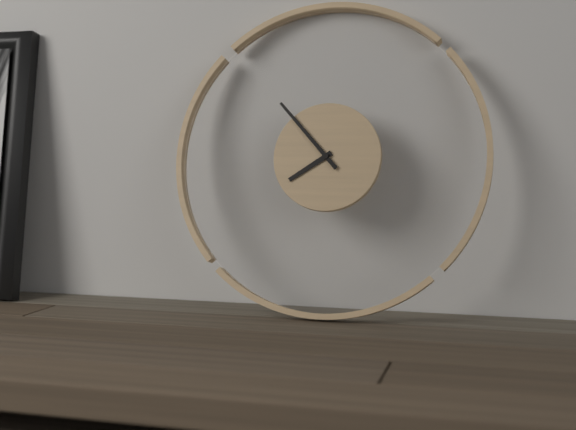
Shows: 7h53
